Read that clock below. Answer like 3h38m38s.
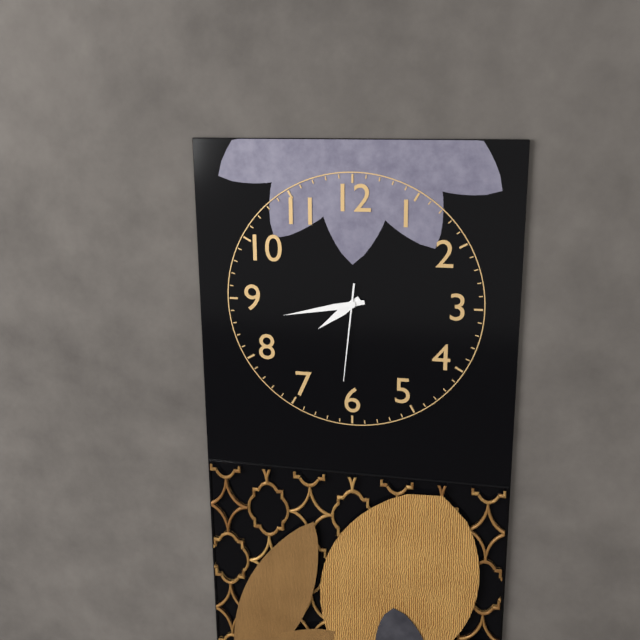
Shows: 7h43m31s
